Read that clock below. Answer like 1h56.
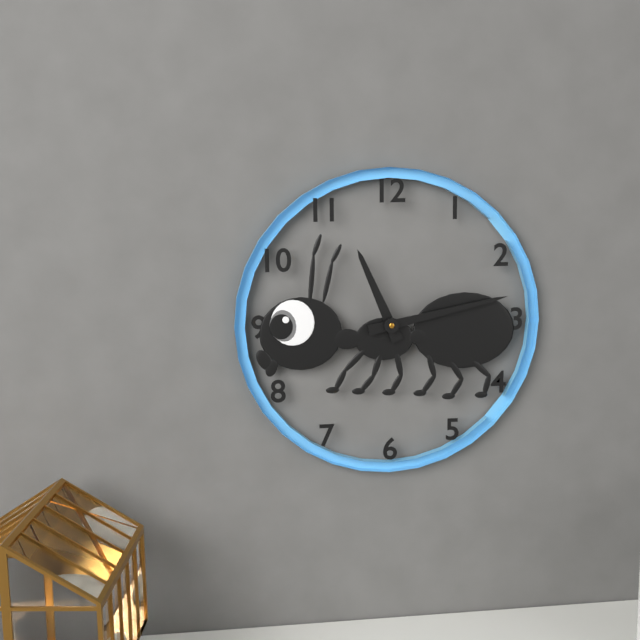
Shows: 11h13
